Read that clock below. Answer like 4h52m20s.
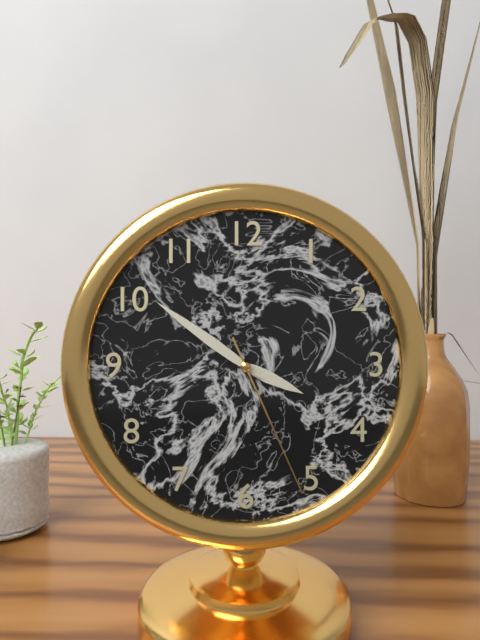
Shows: 3h51m26s
